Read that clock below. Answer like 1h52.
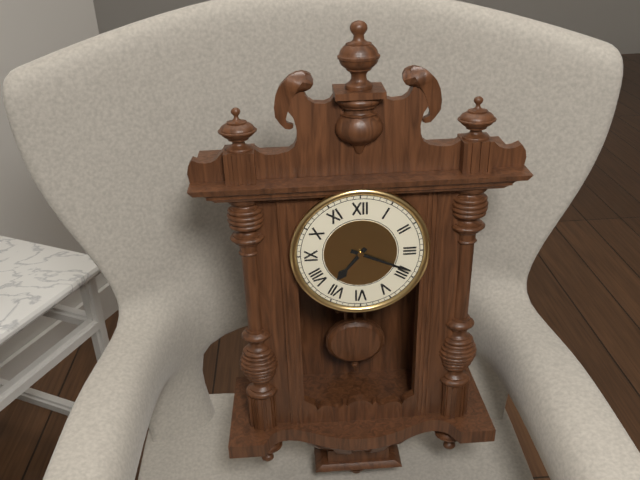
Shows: 7h19
